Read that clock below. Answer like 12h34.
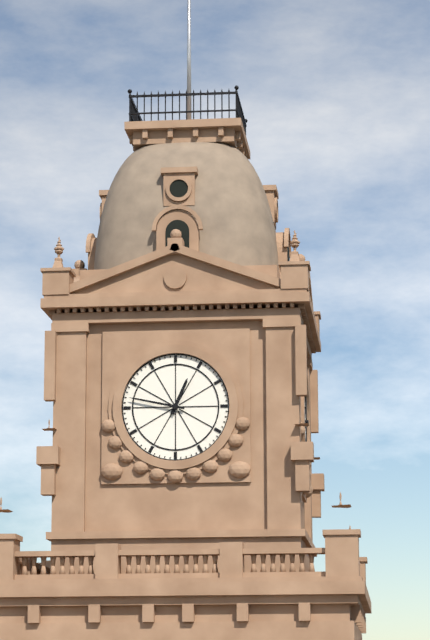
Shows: 12h47
